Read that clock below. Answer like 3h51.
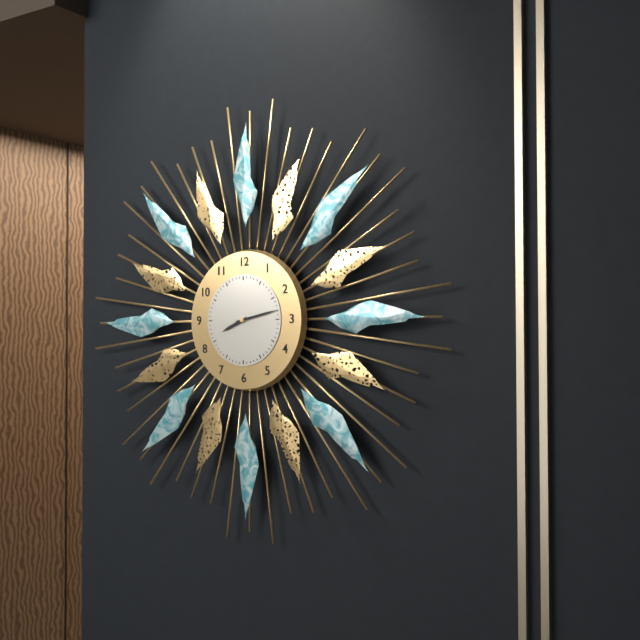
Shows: 8h13
